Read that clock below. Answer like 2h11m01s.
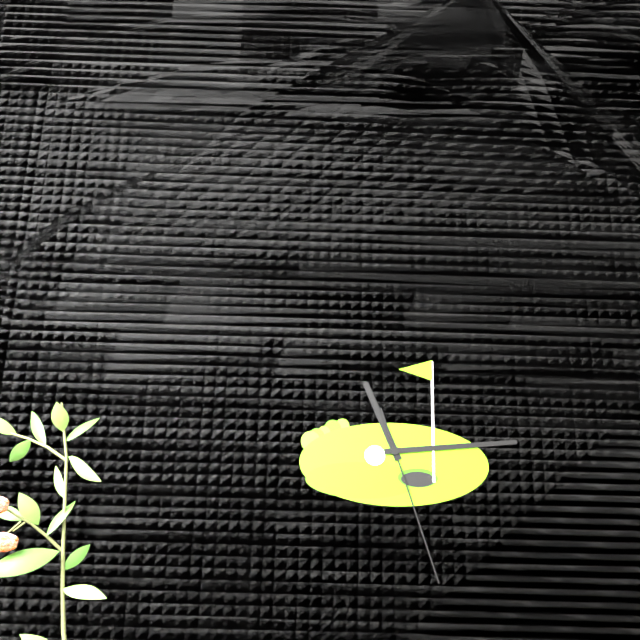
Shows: 11h14m27s
